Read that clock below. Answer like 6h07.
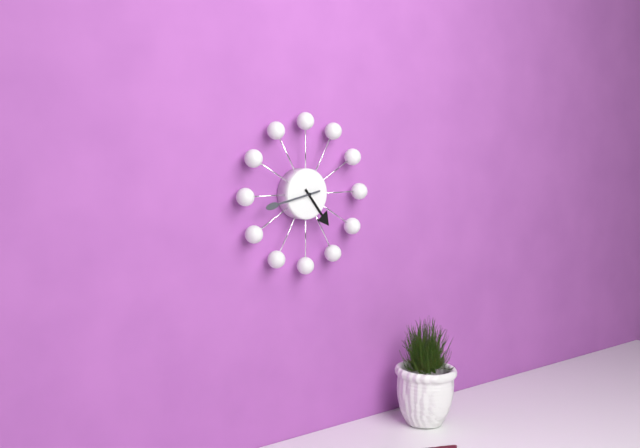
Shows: 4h43
